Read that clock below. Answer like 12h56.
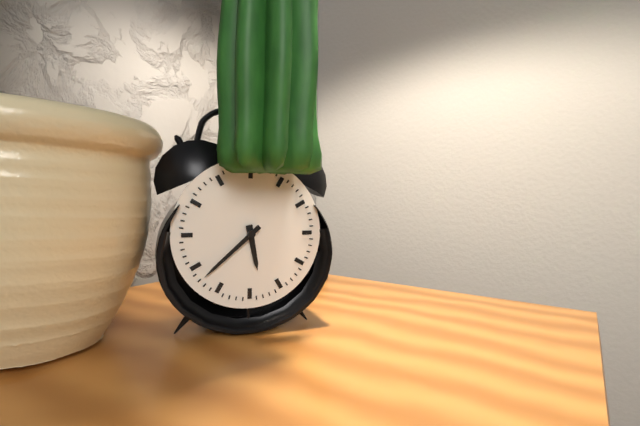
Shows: 5h38
